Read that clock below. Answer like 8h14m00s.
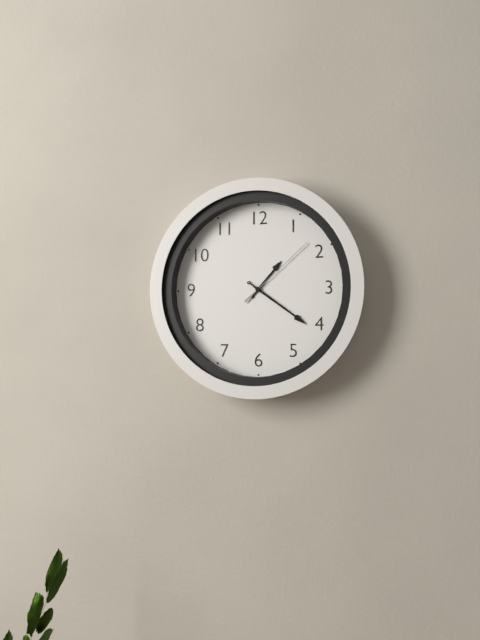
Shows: 1h21m08s
